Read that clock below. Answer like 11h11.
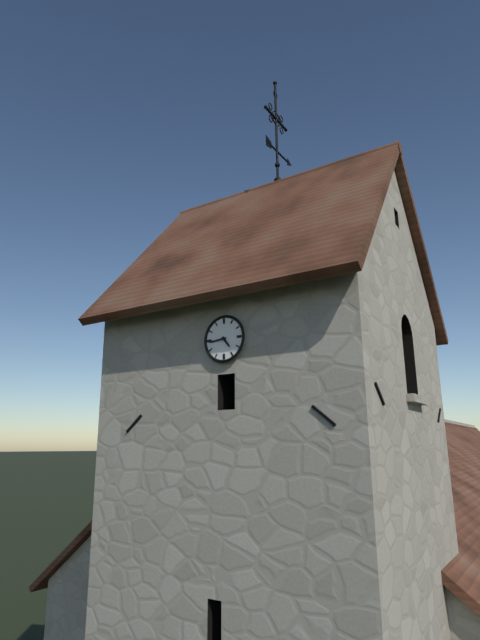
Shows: 4h44
